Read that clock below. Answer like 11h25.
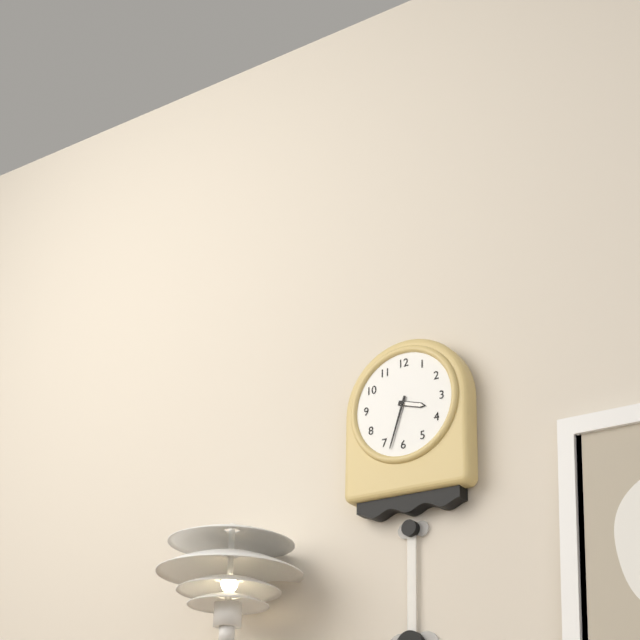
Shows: 3h33
